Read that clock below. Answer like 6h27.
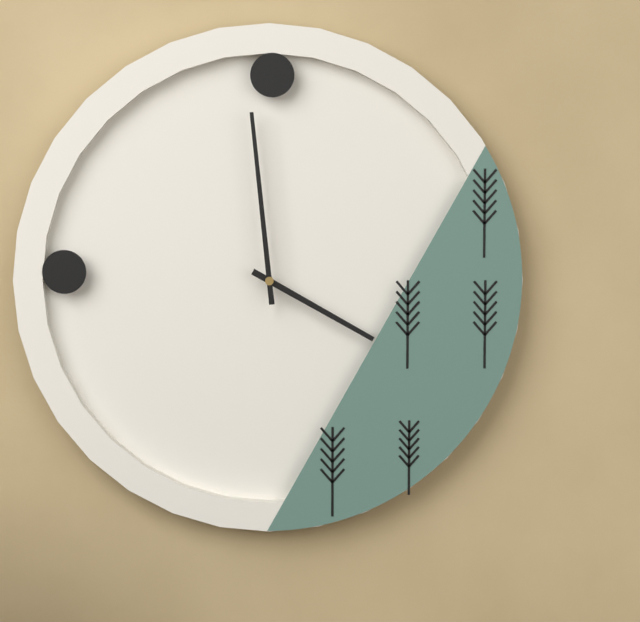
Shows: 3h59
